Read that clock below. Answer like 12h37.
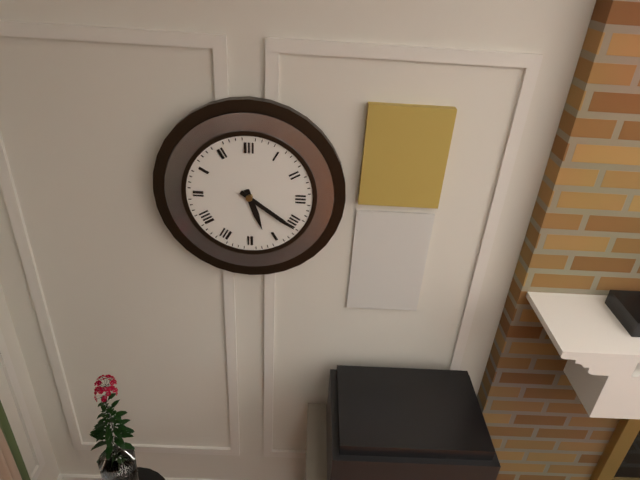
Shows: 5h21
